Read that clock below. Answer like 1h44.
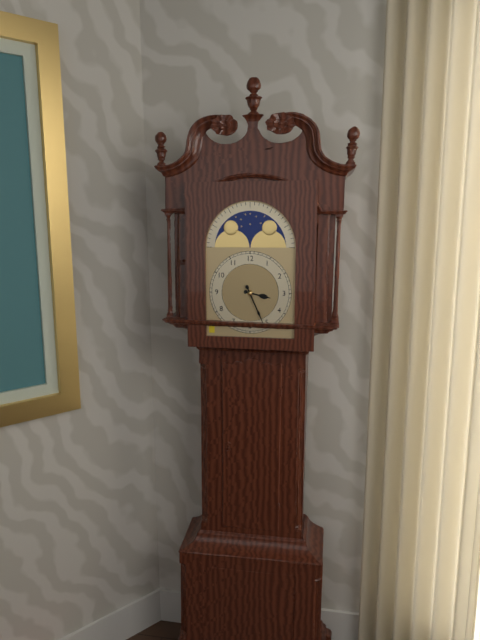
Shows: 3h26
